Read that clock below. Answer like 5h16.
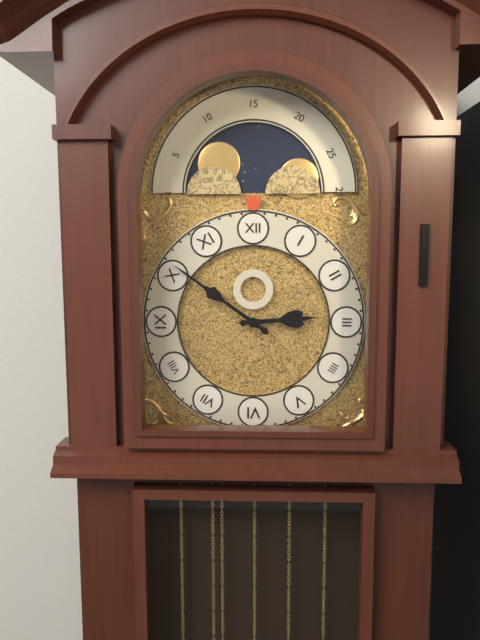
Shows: 2h51
